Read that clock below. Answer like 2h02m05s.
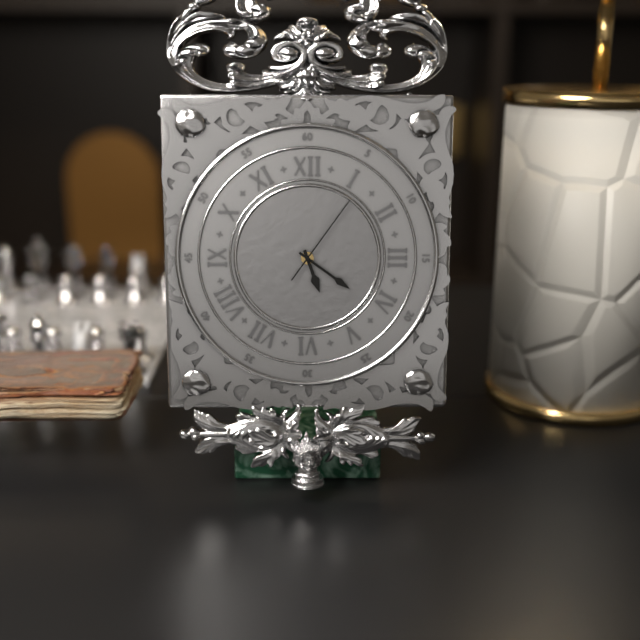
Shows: 5h21m06s
